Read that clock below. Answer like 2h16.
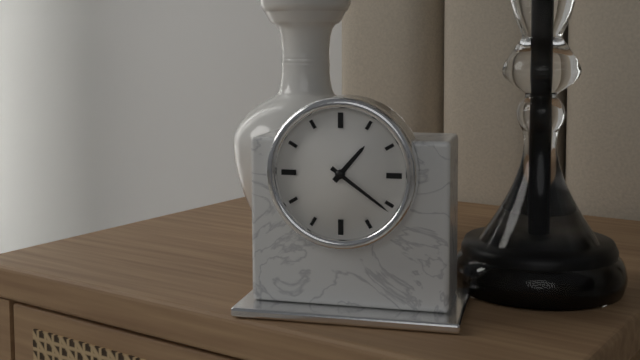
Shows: 1h21
